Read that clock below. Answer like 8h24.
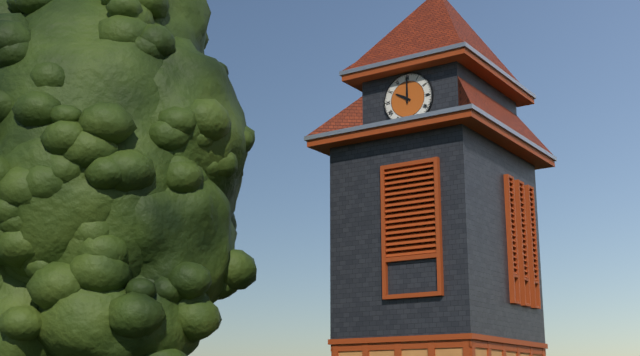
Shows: 10h00
